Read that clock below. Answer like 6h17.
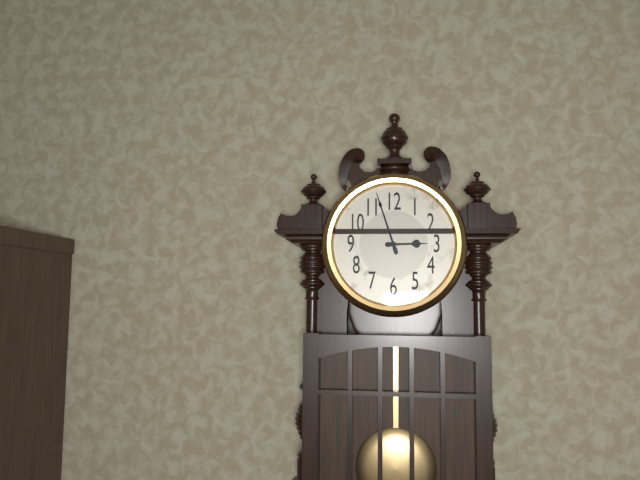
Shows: 2h57
